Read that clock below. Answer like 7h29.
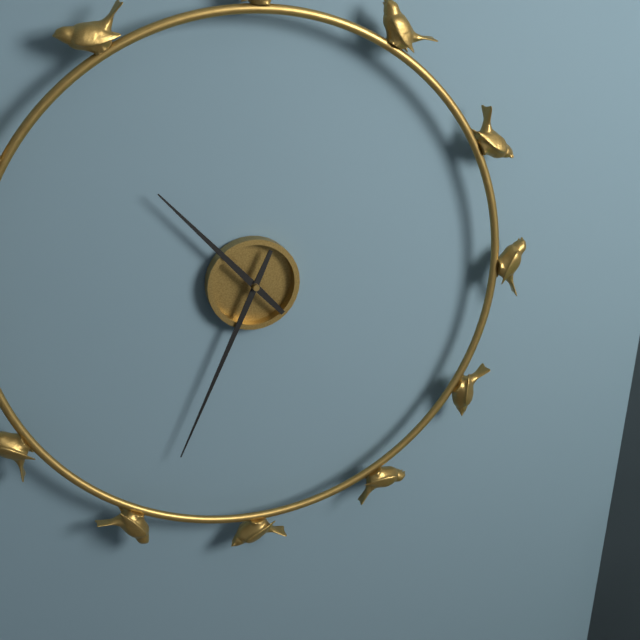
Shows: 10h34
